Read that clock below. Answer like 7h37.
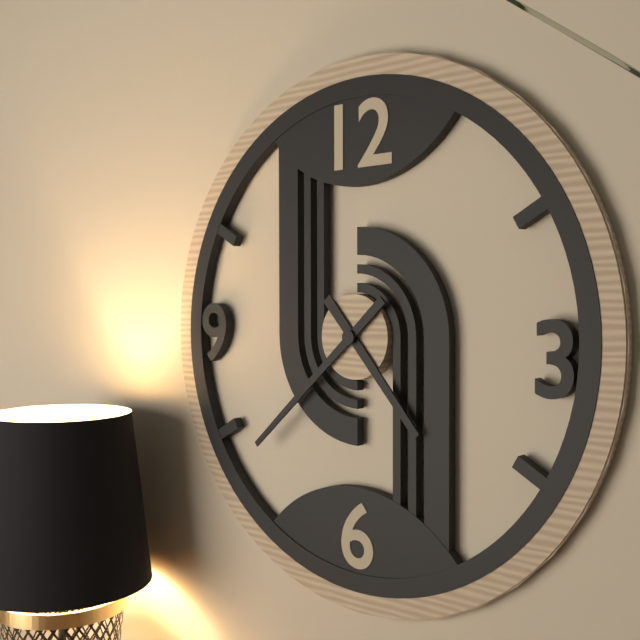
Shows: 4h38
